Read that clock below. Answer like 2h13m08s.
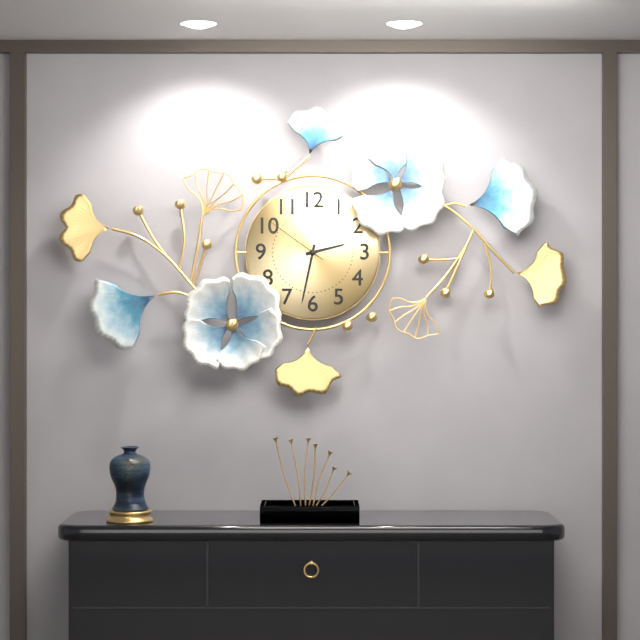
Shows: 2h32m51s
